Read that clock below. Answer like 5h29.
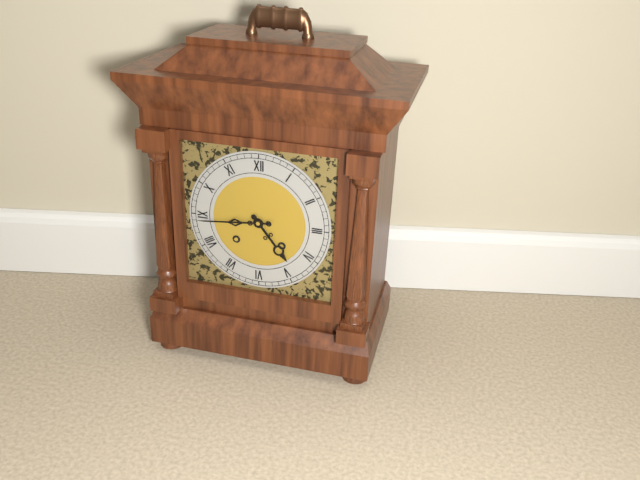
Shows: 4h44
